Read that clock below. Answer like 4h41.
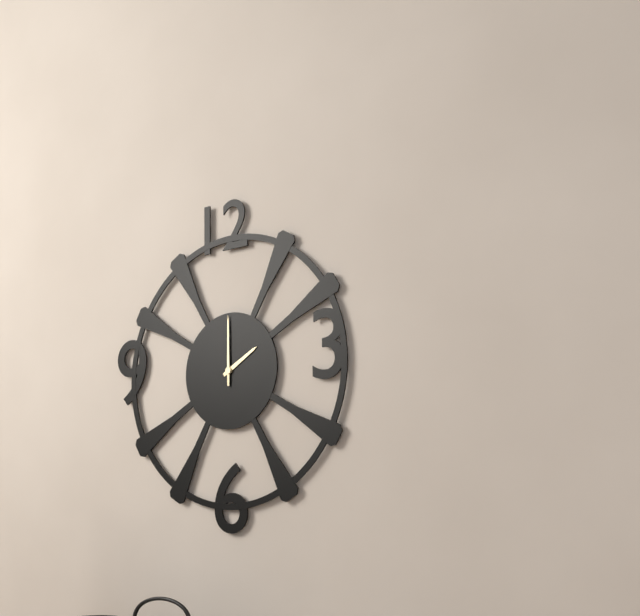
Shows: 2h00
